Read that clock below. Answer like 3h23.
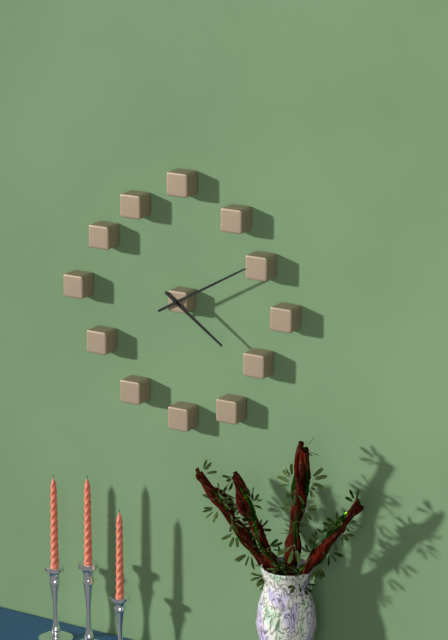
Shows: 4h10
